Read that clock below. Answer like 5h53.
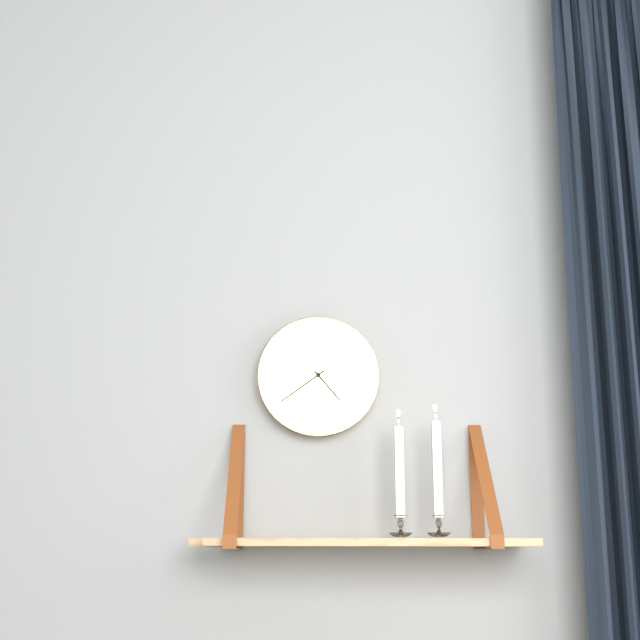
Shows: 4h39
